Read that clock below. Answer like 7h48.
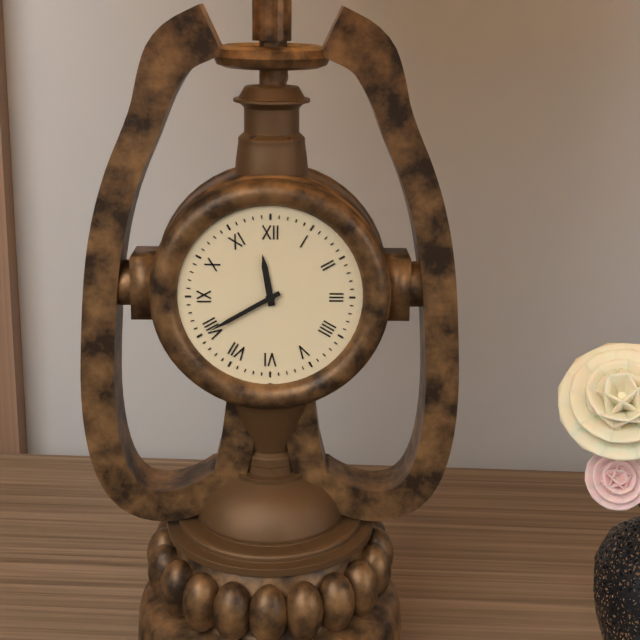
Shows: 11h40
